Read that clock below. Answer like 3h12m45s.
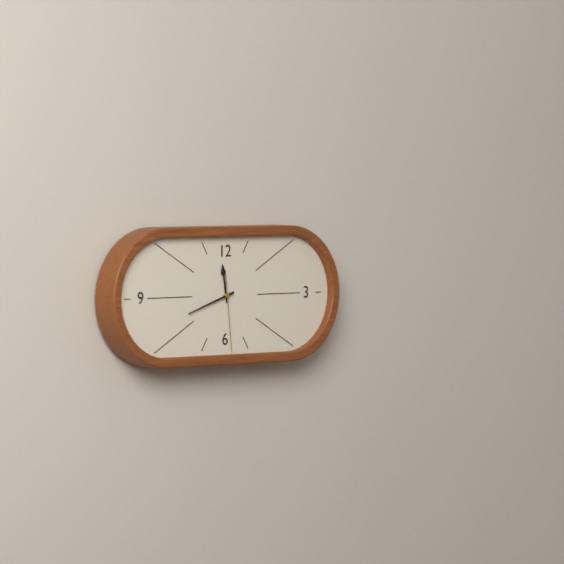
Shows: 11h42m29s
